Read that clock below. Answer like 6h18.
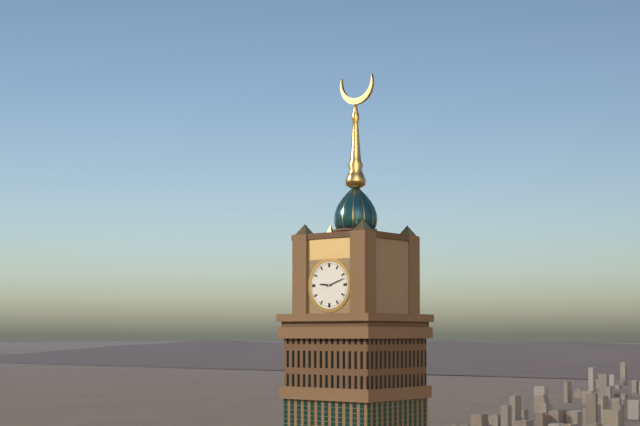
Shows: 9h12
